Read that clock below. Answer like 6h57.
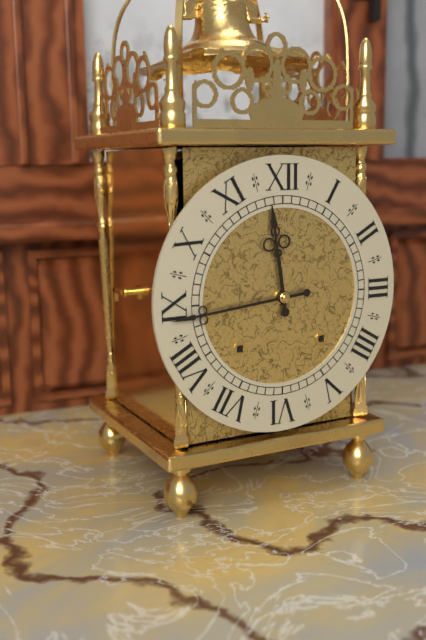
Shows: 11h44
